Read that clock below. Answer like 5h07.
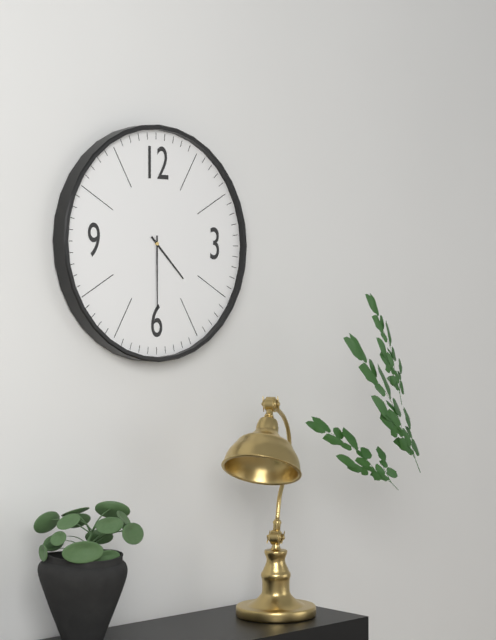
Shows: 4h30
